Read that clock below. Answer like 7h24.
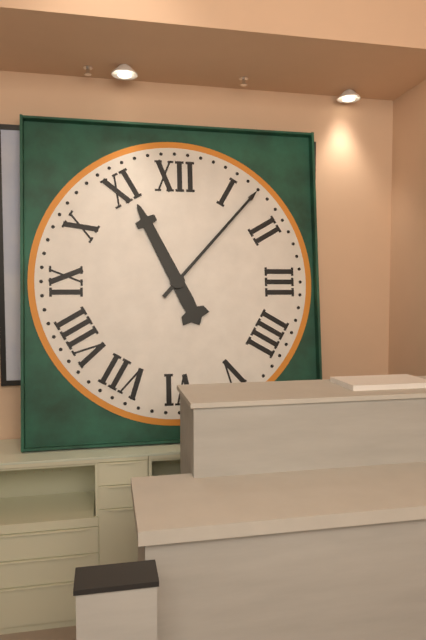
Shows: 11h07
